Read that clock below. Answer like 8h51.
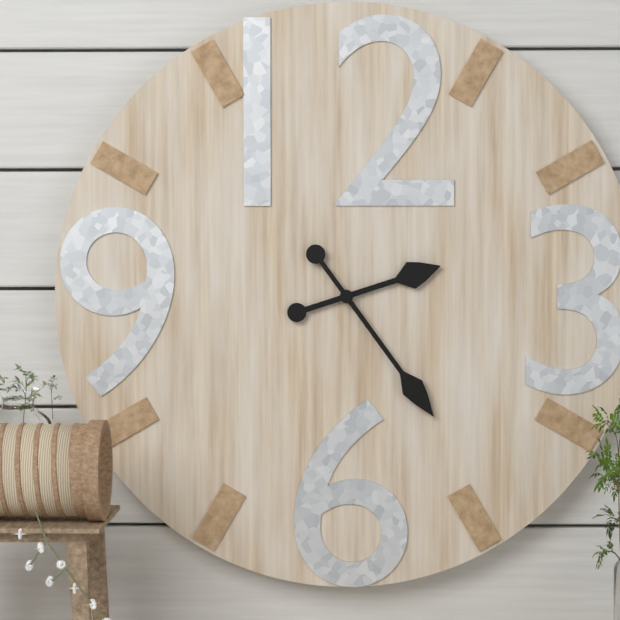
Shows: 2h24
